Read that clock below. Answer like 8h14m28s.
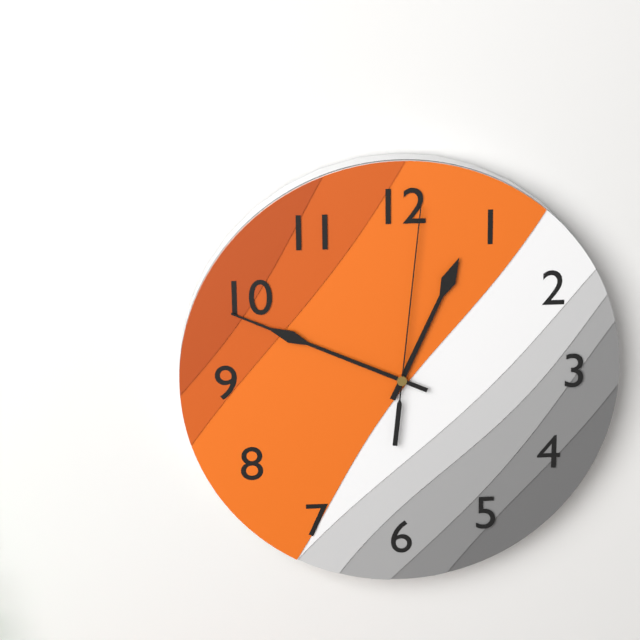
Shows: 12h49m01s
